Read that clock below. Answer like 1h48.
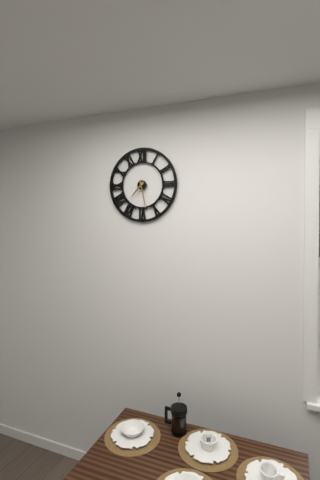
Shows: 7h28
